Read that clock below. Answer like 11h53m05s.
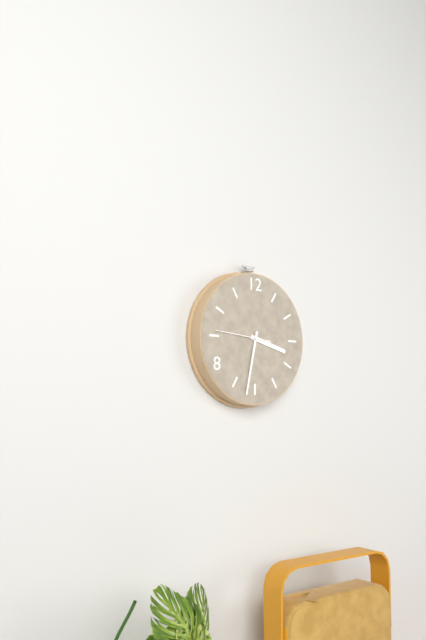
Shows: 3h32m46s
